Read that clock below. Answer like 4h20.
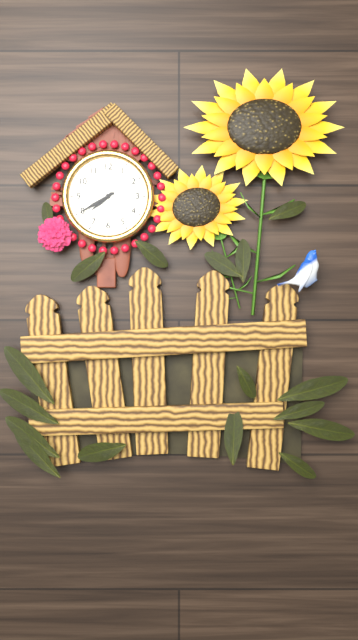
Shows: 7h40
